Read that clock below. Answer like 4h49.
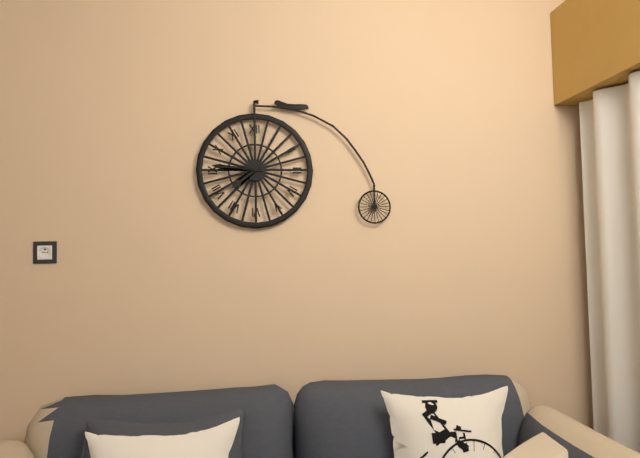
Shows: 7h46
